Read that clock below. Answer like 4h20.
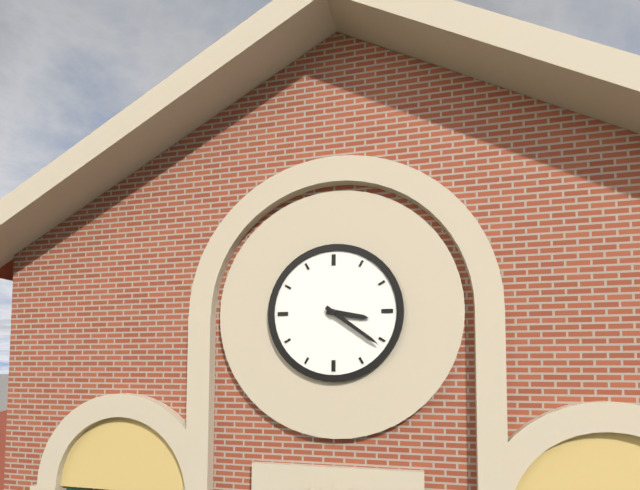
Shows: 3h21
